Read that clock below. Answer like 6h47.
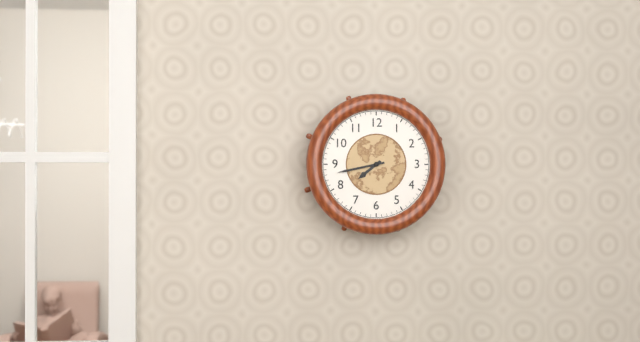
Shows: 7h43
